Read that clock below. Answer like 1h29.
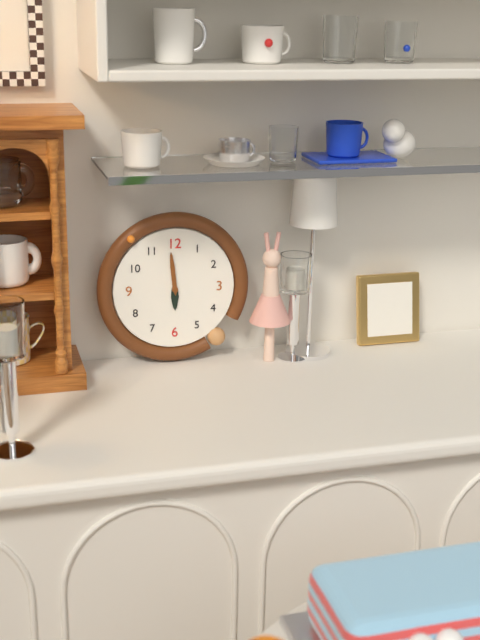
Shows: 5h59
